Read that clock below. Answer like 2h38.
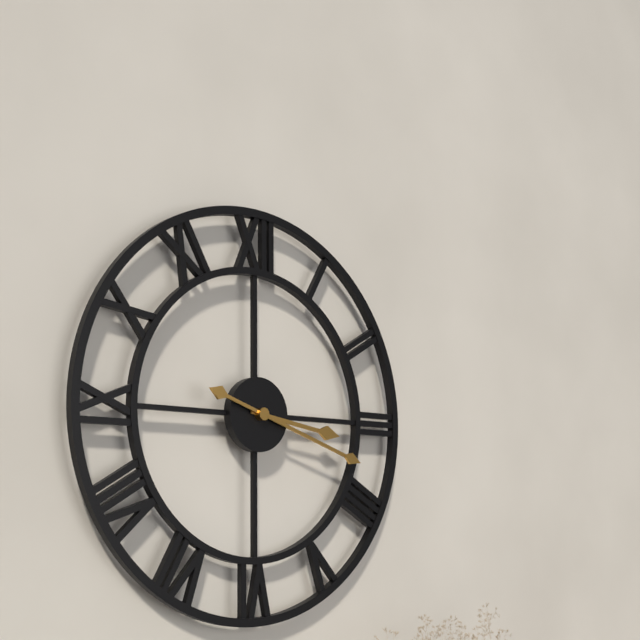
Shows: 3h18
